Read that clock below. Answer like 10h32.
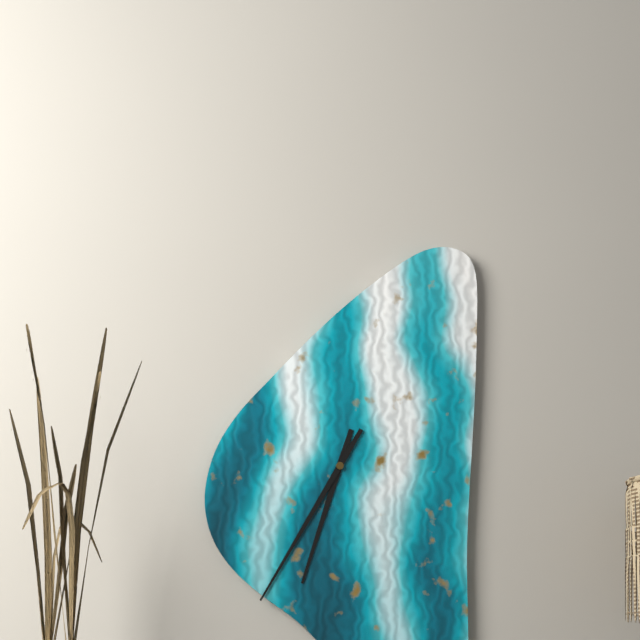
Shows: 6h35
